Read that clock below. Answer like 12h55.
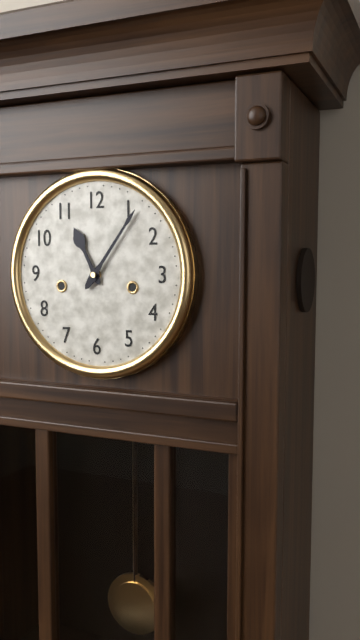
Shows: 11h06
